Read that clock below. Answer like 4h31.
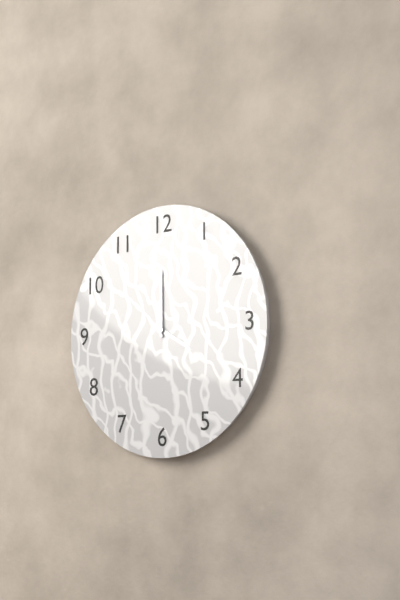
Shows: 4h00
